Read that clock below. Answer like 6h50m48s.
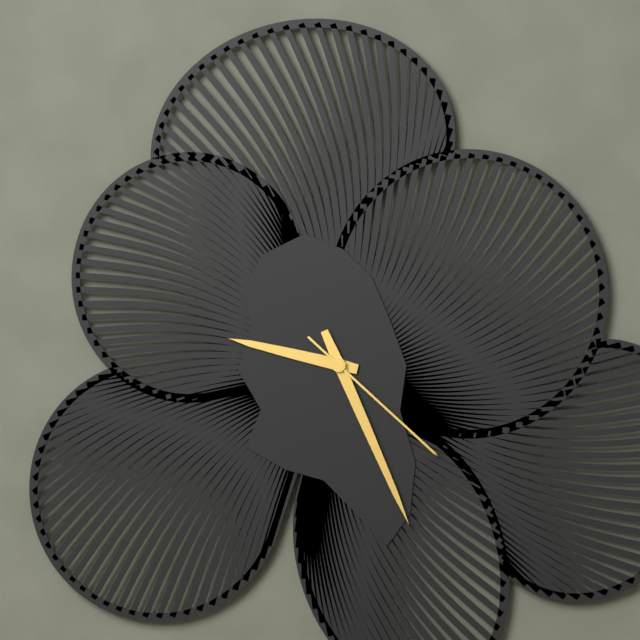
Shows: 9h26m22s
